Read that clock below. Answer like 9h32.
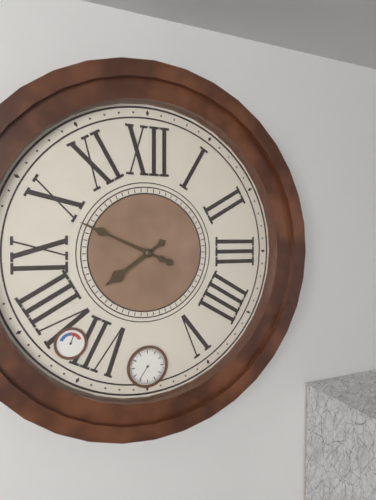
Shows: 7h49
